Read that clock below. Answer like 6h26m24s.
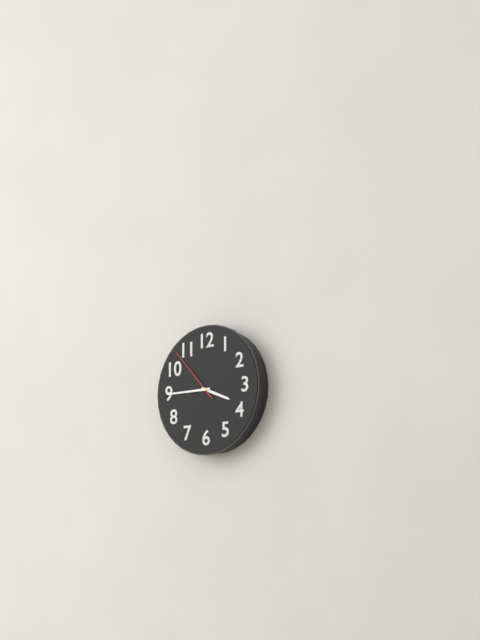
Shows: 3h45m53s
